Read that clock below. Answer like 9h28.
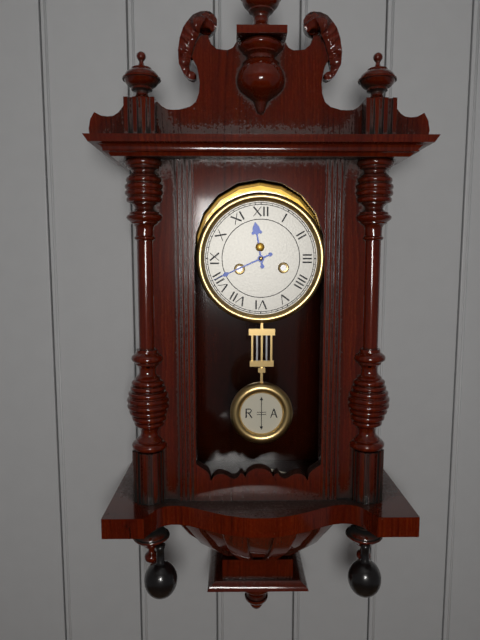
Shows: 11h41
